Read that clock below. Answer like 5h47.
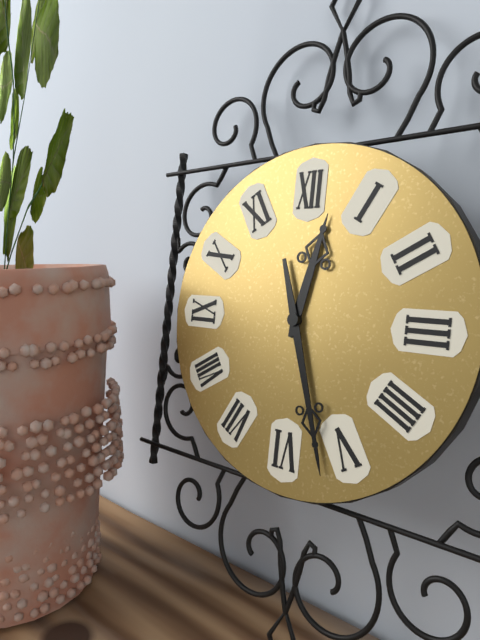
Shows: 12h27
